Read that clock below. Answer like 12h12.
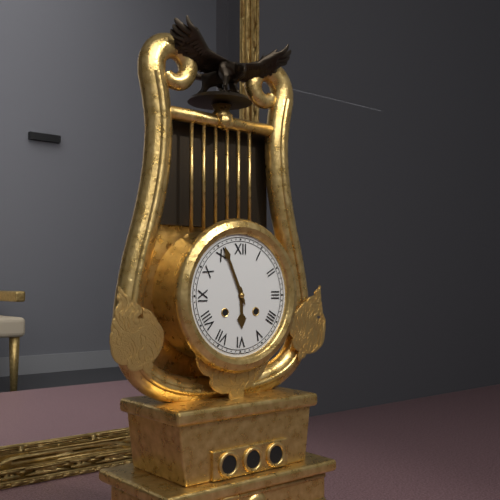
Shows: 5h56
